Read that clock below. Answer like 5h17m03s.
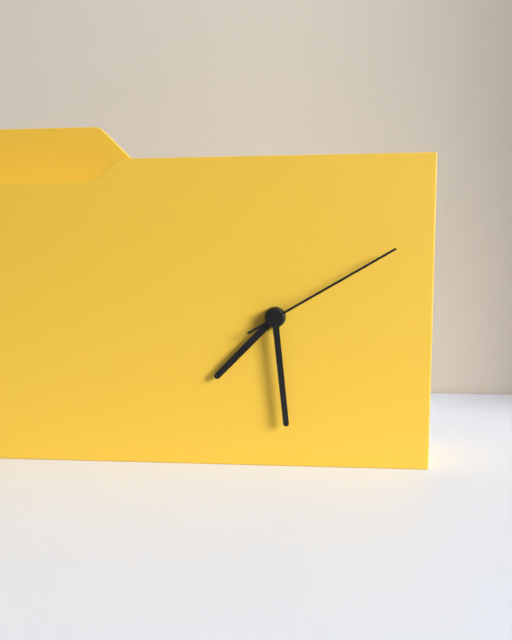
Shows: 7h29m10s
